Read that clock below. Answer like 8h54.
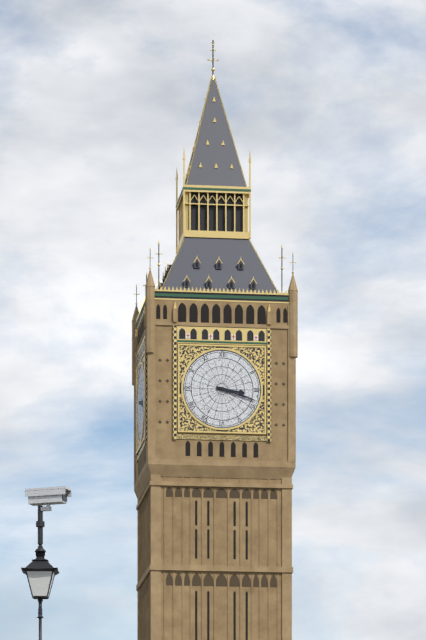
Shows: 3h18
